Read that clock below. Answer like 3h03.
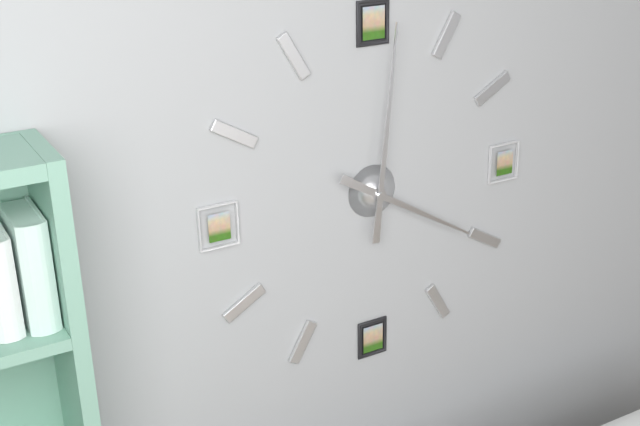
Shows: 4h01
